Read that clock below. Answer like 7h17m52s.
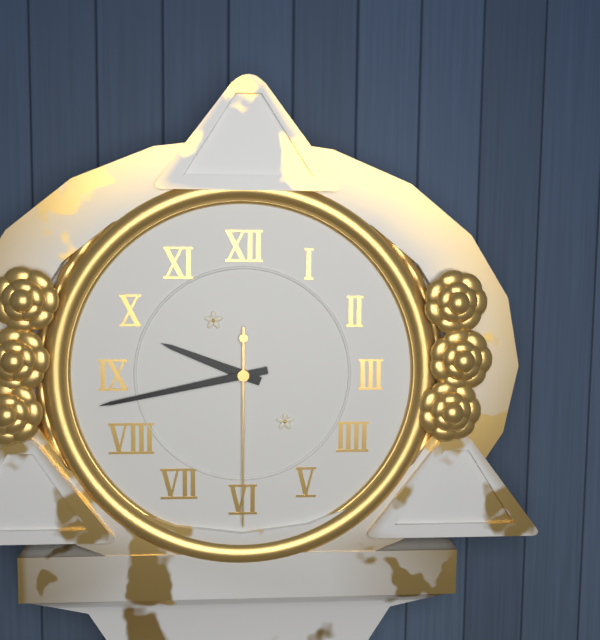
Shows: 9h43m30s
